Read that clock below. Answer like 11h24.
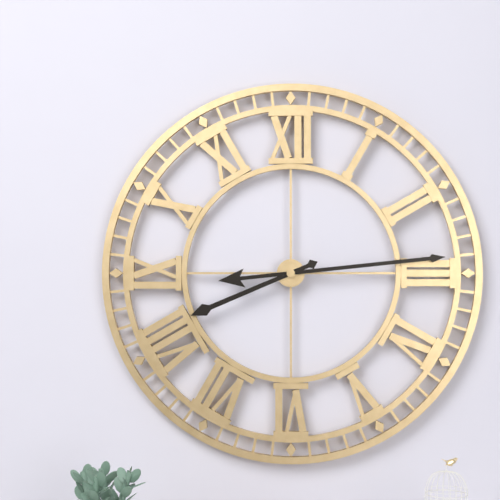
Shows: 8h14
